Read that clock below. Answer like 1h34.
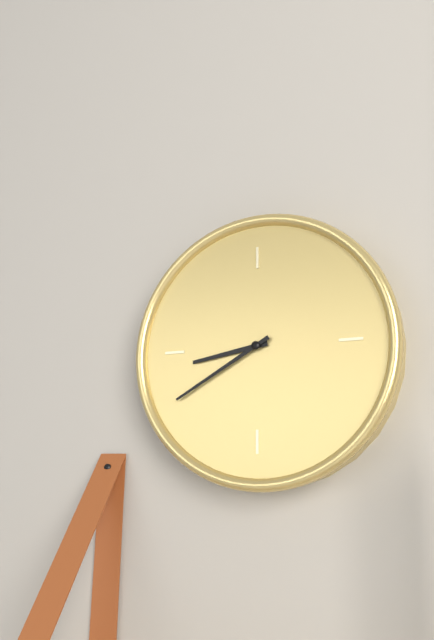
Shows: 8h40
